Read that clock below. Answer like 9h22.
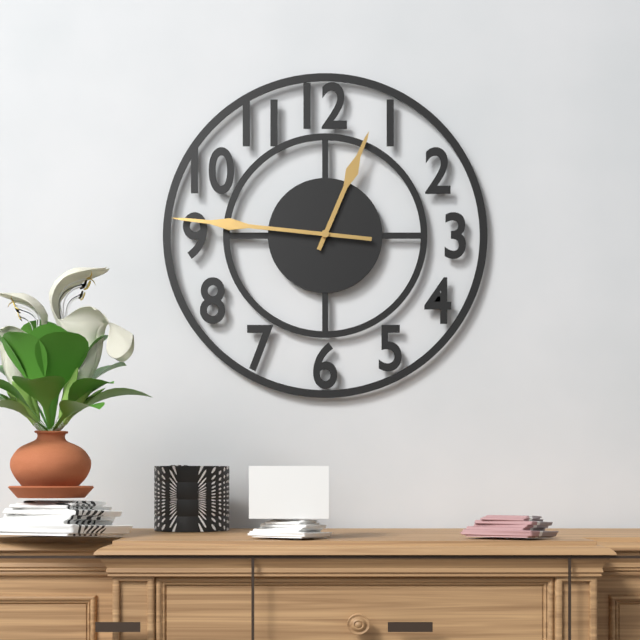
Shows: 12h46
